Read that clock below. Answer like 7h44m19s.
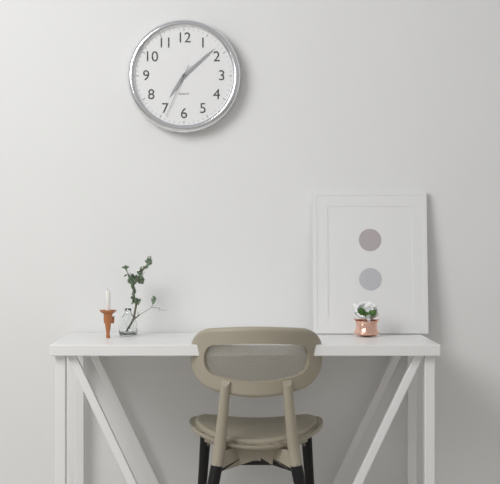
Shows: 7h08m34s
